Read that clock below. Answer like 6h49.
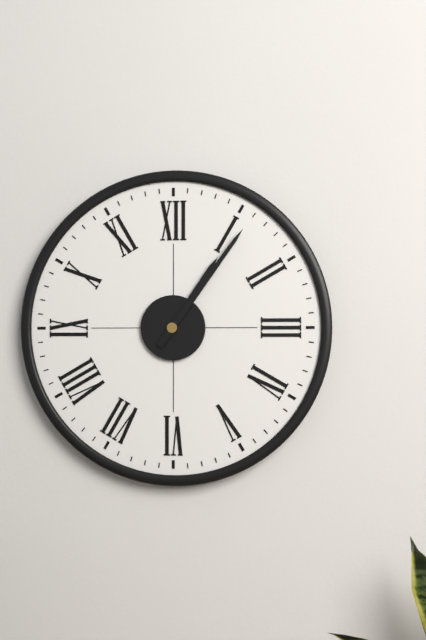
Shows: 1h06
